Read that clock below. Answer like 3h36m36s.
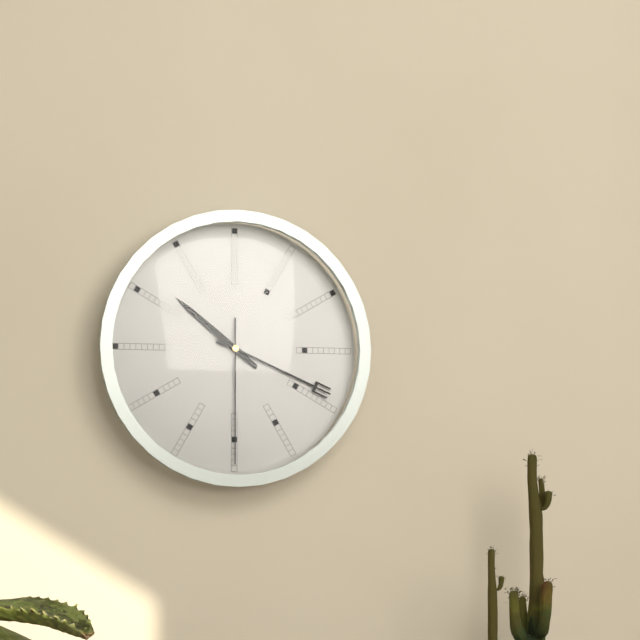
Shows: 10h19m30s
